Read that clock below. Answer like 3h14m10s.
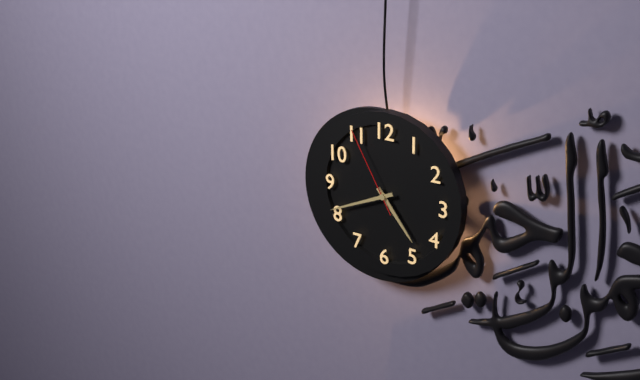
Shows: 4h41m55s
